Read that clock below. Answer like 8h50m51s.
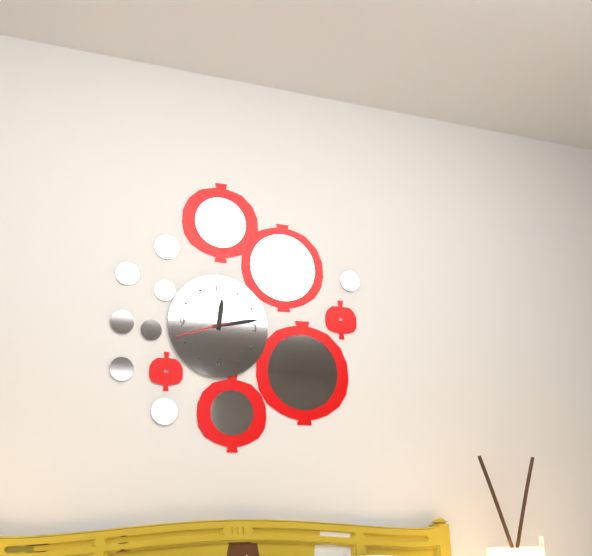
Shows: 12h13m42s
